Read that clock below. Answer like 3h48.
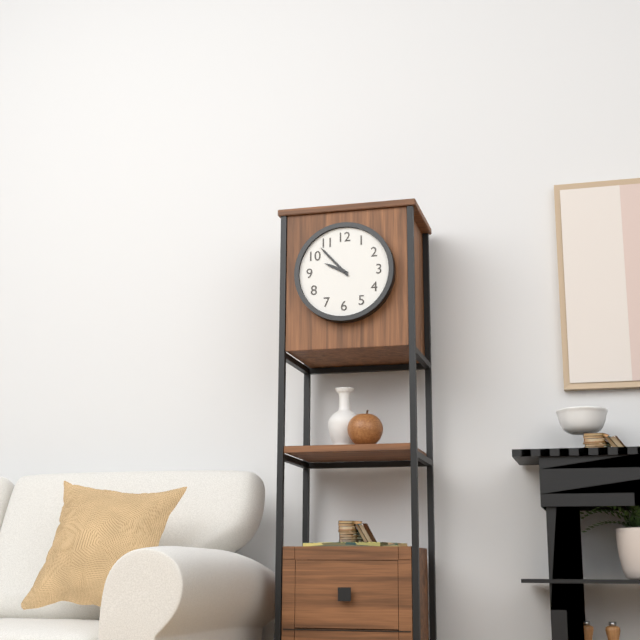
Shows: 9h53
